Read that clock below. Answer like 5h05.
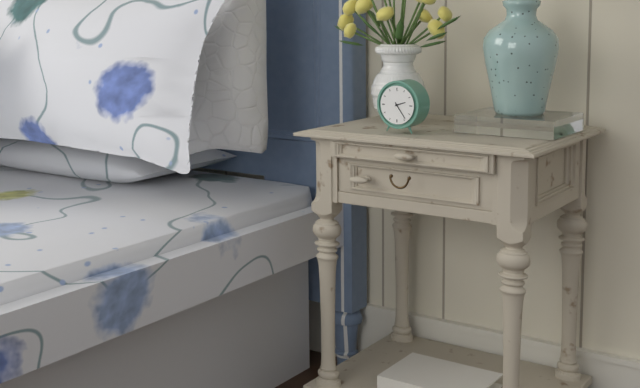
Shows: 2h24
